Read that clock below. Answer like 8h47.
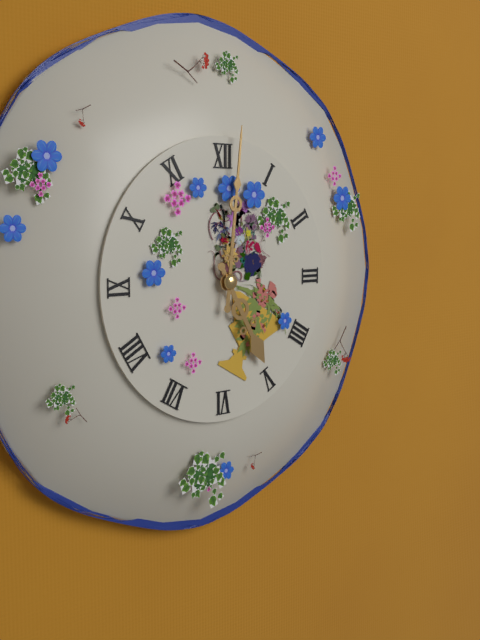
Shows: 5h01
